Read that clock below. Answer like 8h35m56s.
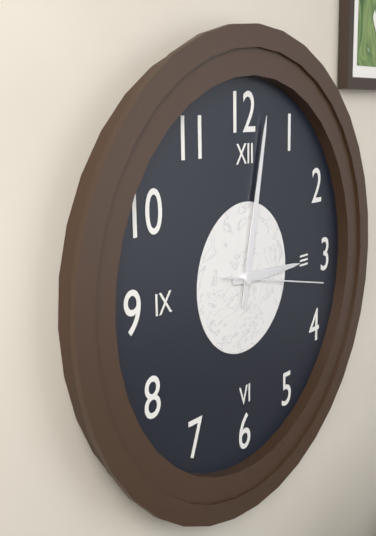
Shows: 3h02m17s
